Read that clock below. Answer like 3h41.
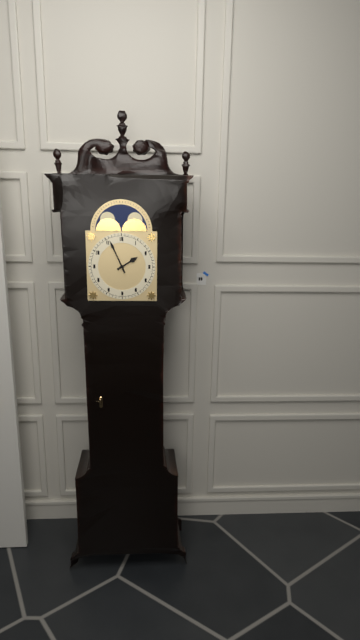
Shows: 1h56
